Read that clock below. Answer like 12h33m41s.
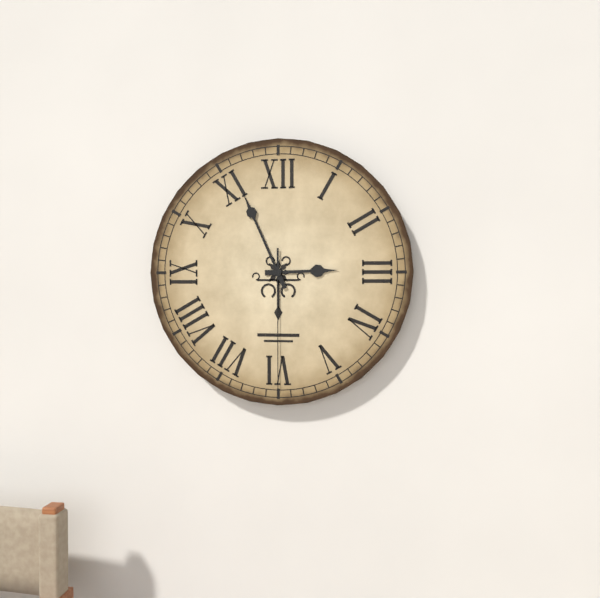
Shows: 2h56m30s
